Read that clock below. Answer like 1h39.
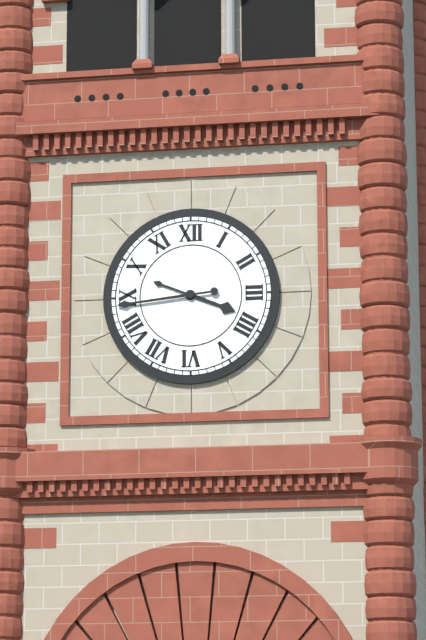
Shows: 3h44
